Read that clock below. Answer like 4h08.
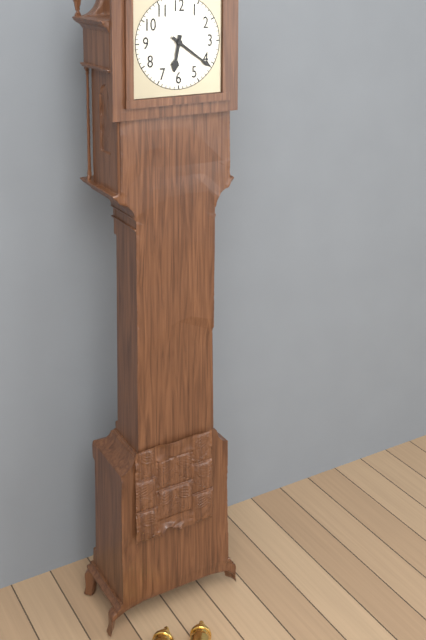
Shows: 6h21
